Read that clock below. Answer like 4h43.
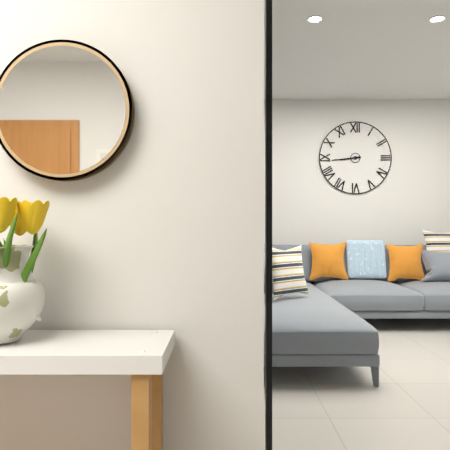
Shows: 8h44
